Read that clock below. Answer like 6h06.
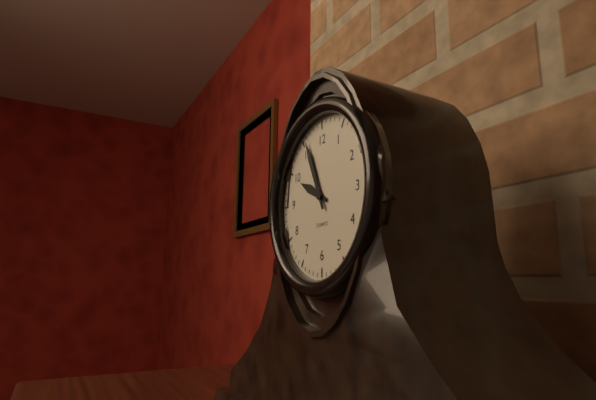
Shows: 9h56
